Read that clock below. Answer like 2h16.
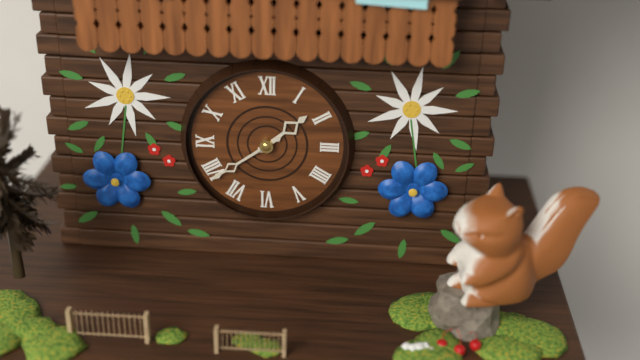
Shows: 1h39
